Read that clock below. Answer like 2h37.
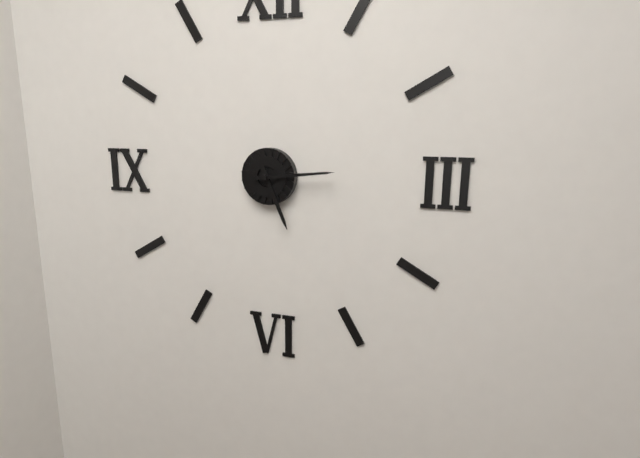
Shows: 5h14
